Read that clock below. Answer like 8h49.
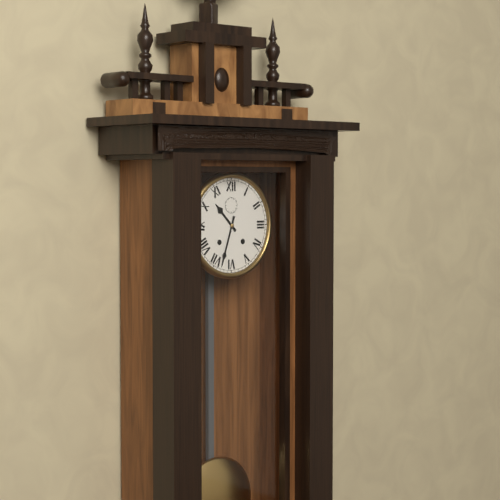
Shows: 10h33
